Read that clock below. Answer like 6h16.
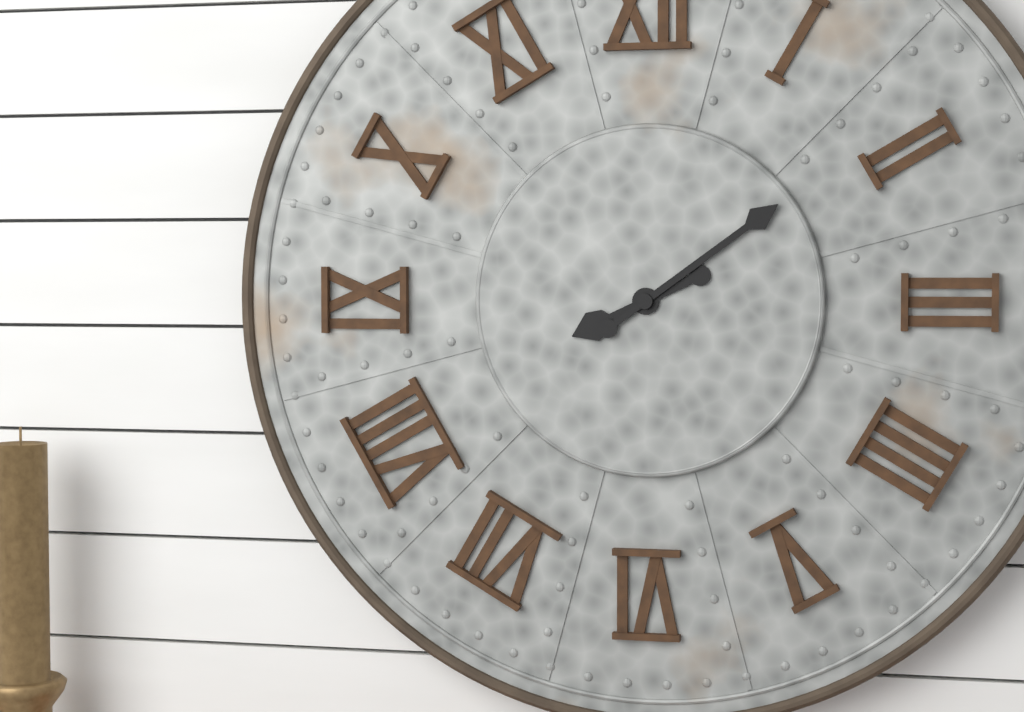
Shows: 8h09
